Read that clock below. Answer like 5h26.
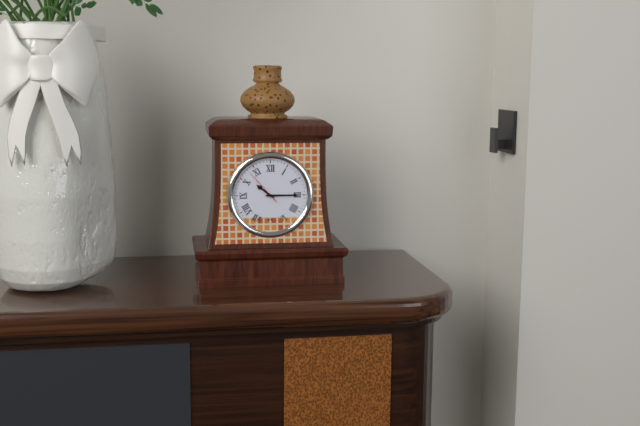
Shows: 10h15
